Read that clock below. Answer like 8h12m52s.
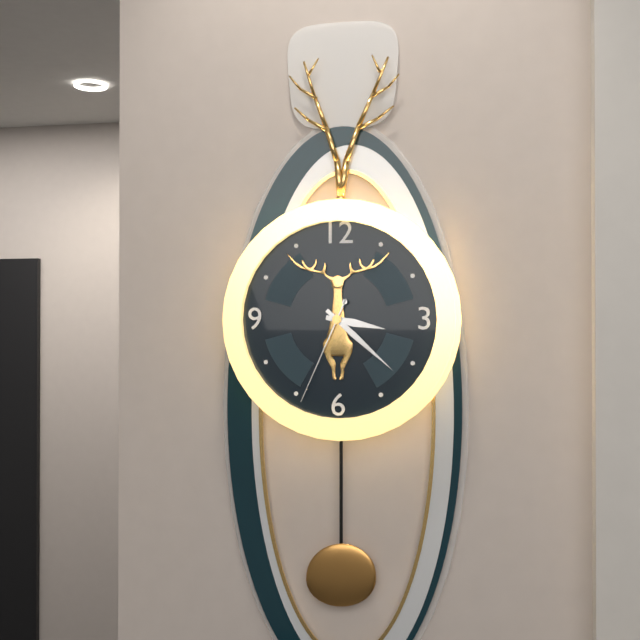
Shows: 3h22m34s
